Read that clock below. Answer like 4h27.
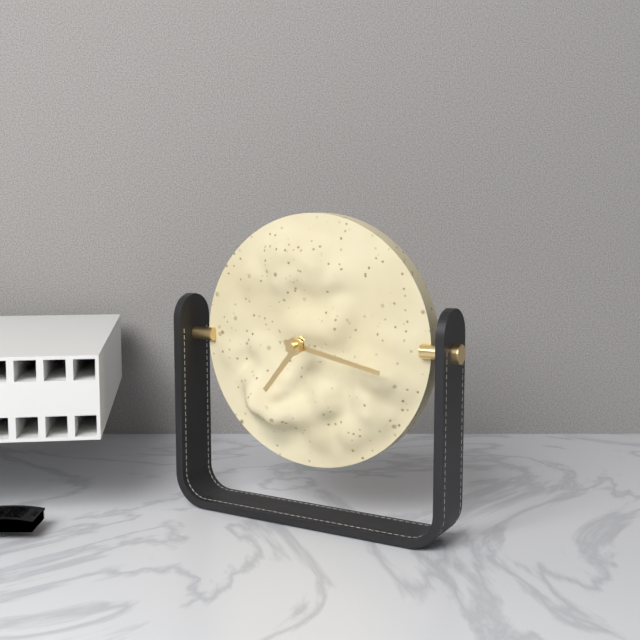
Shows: 7h17
